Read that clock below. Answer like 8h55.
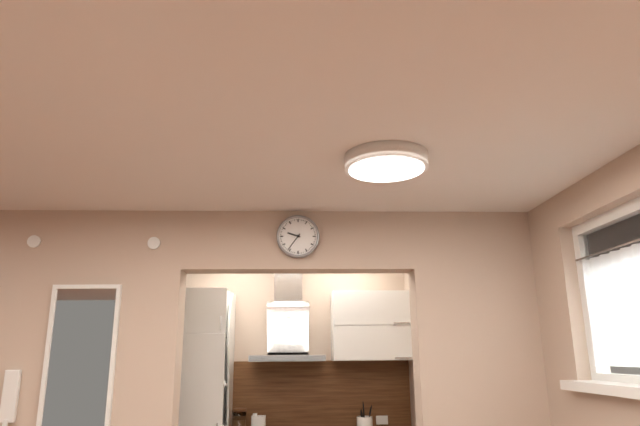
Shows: 9h36
